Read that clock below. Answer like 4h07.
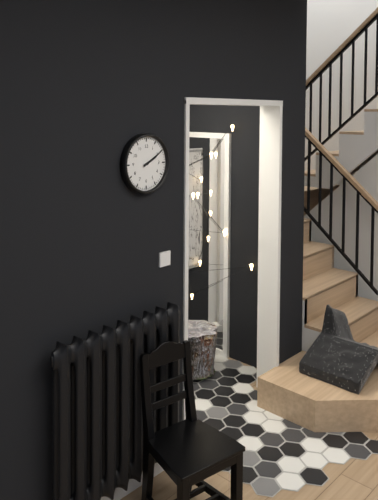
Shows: 2h10
